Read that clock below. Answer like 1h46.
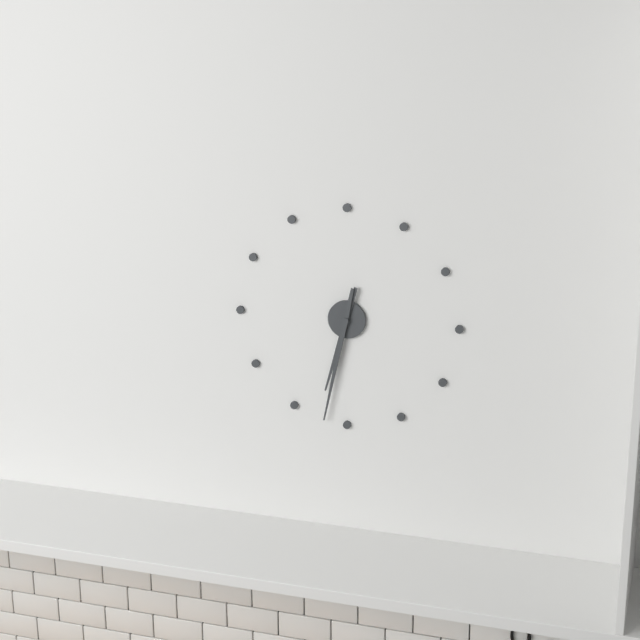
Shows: 6h32
